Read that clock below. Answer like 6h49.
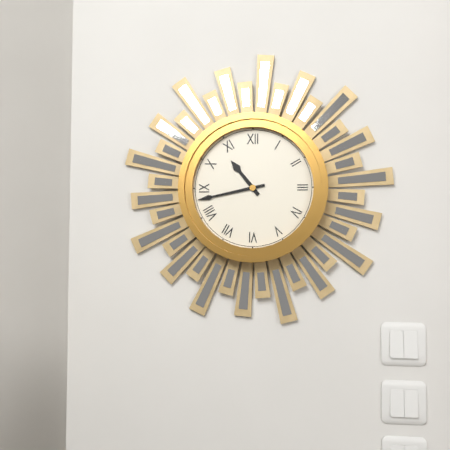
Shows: 10h43
